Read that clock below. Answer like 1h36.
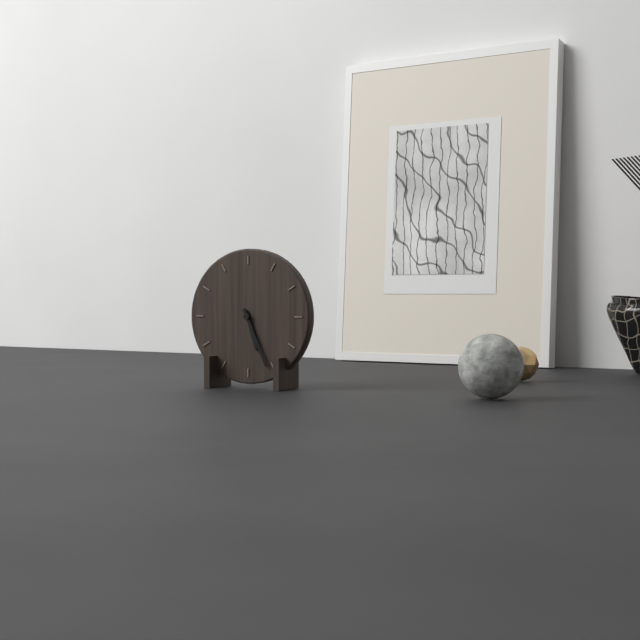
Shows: 5h26
